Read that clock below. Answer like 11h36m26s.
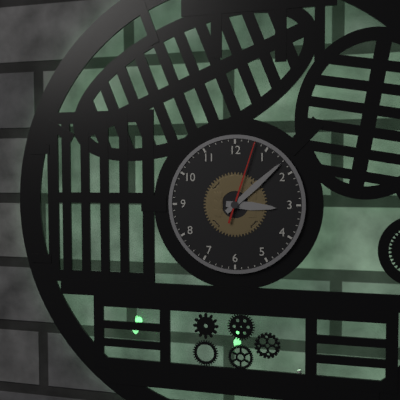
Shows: 3h08m03s
